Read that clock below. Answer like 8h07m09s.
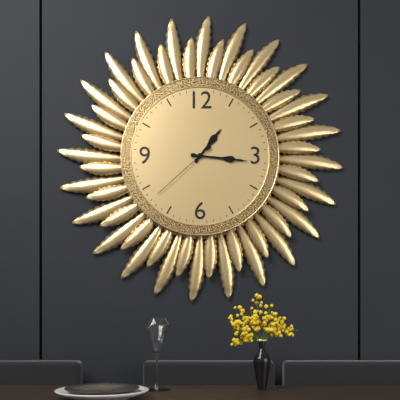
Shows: 1h16m38s
